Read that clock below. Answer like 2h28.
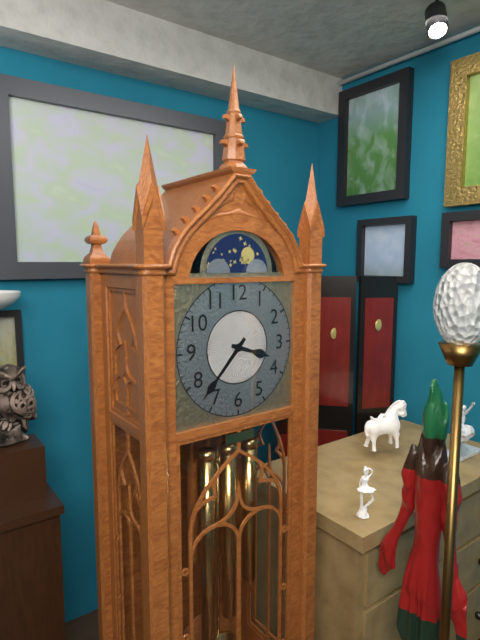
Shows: 3h37
